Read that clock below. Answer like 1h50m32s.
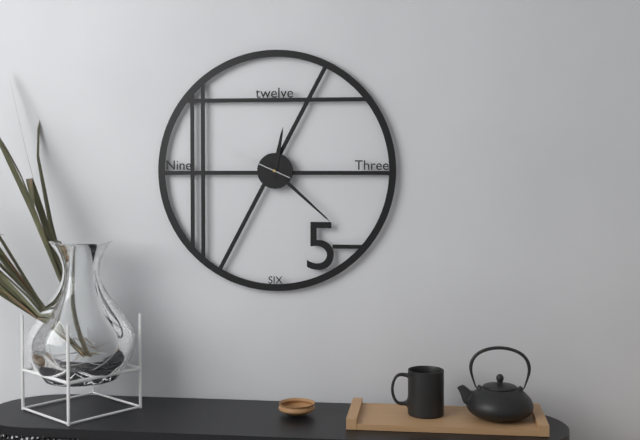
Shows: 12h22m49s
